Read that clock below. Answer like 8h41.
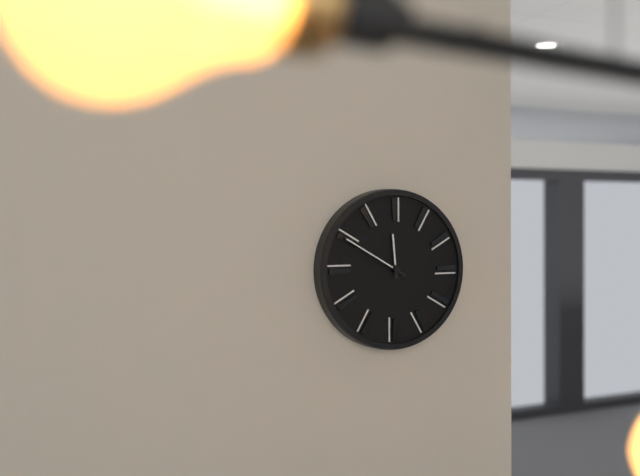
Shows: 11h50
